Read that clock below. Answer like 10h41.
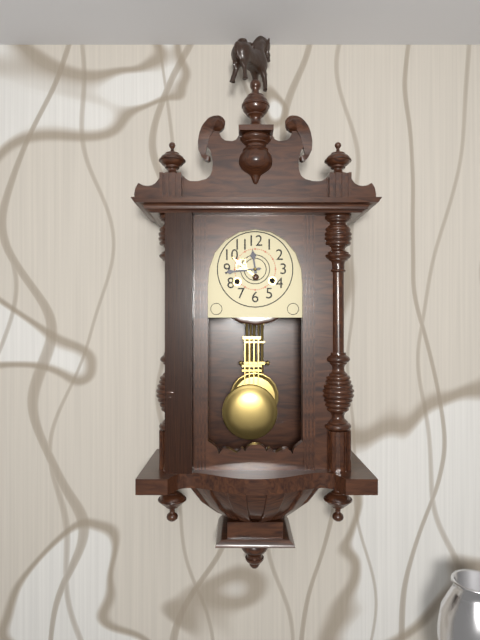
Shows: 11h44
